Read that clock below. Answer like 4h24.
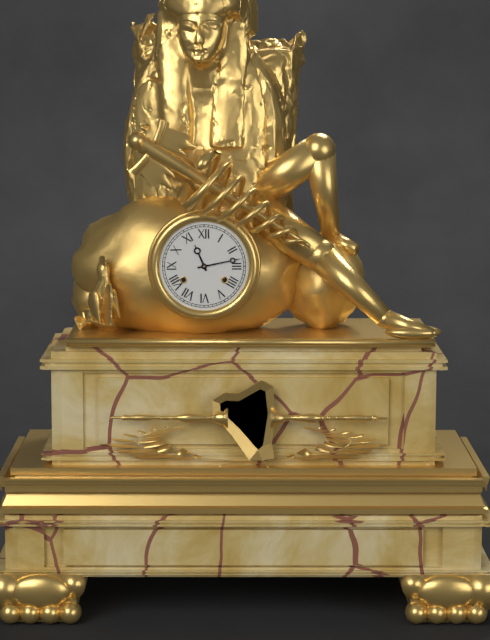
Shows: 11h13
